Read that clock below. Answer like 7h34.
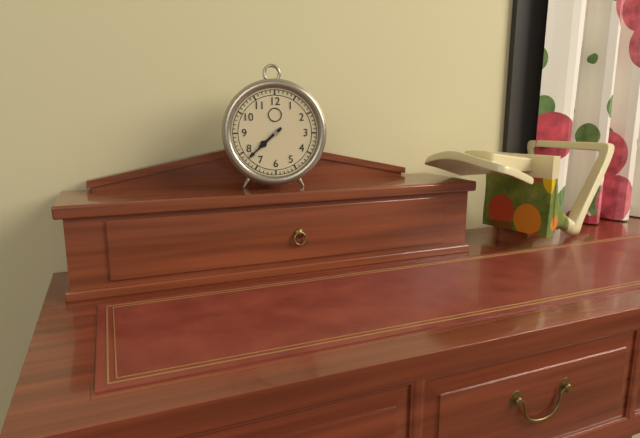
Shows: 7h38
